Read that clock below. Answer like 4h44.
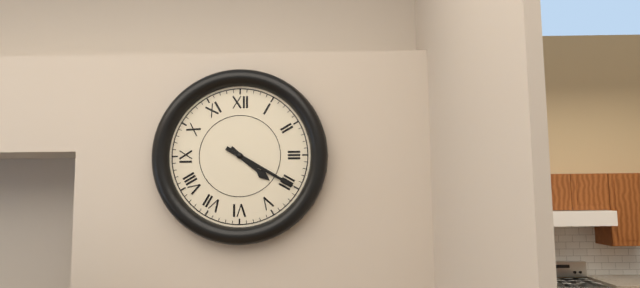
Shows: 4h20
